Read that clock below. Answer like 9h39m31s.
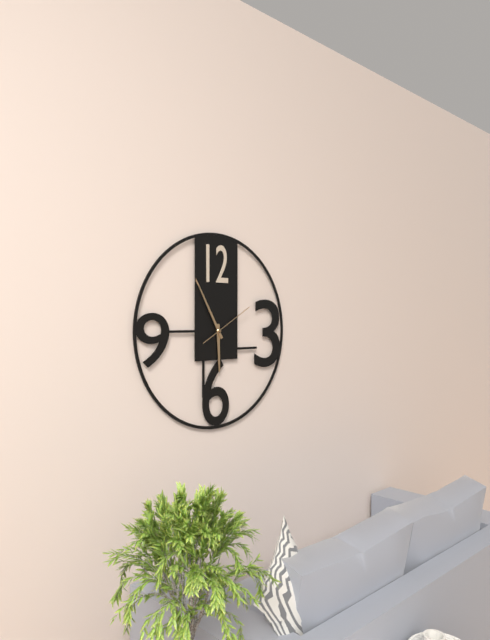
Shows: 5h55m10s
